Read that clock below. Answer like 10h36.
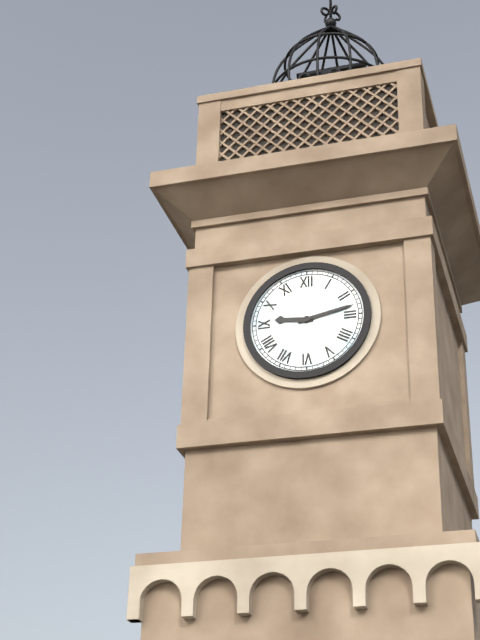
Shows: 9h13
